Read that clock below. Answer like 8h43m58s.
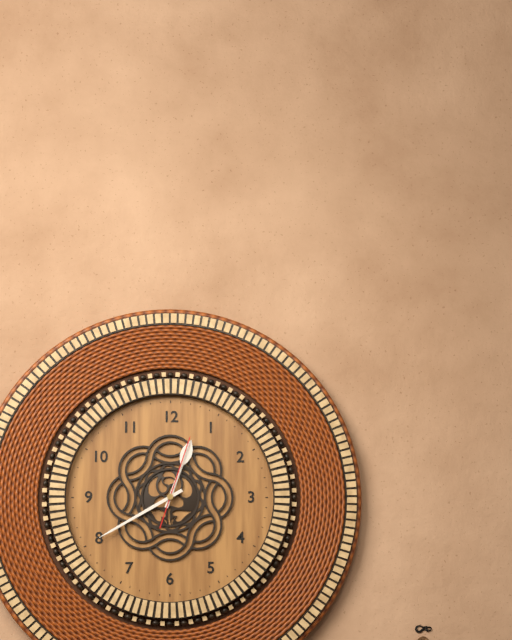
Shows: 12h40m03s
